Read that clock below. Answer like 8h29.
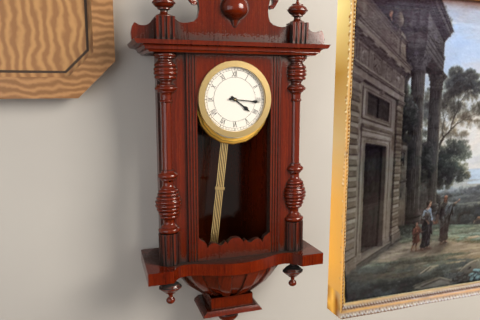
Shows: 4h16
